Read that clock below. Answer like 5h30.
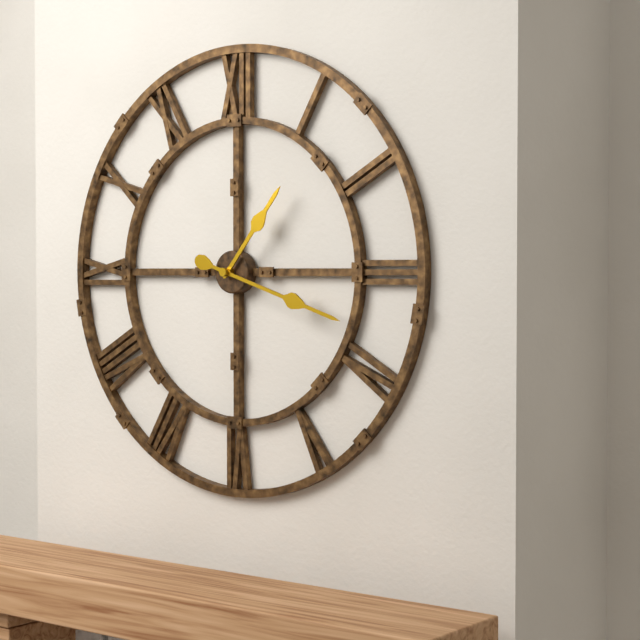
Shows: 1h18
